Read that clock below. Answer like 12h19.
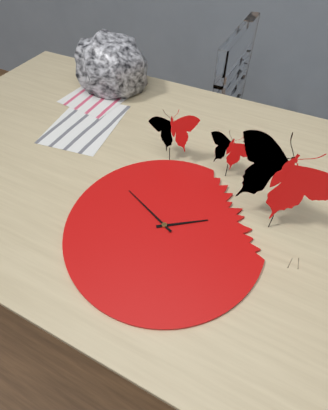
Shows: 1h49
